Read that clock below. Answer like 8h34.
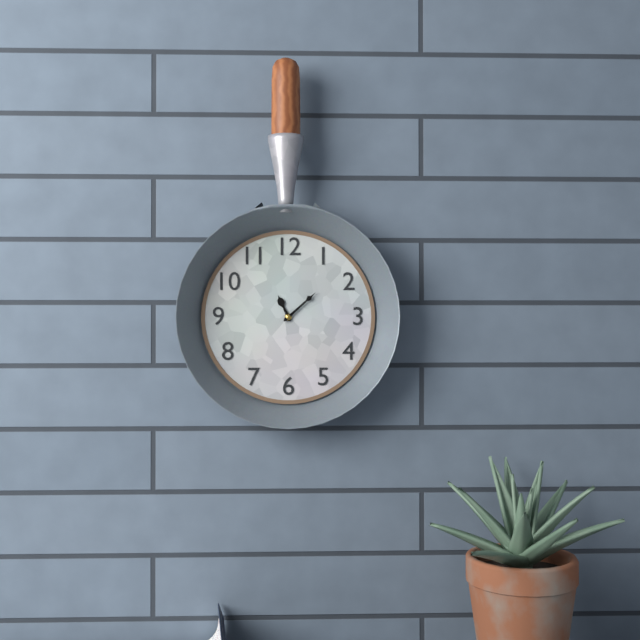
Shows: 11h08
